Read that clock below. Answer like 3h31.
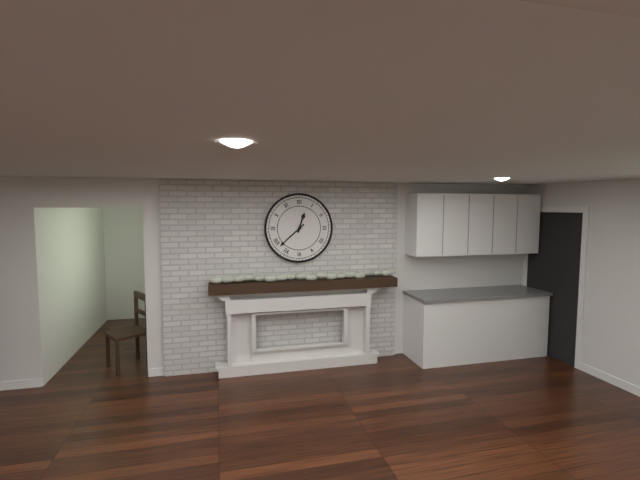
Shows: 12h38
